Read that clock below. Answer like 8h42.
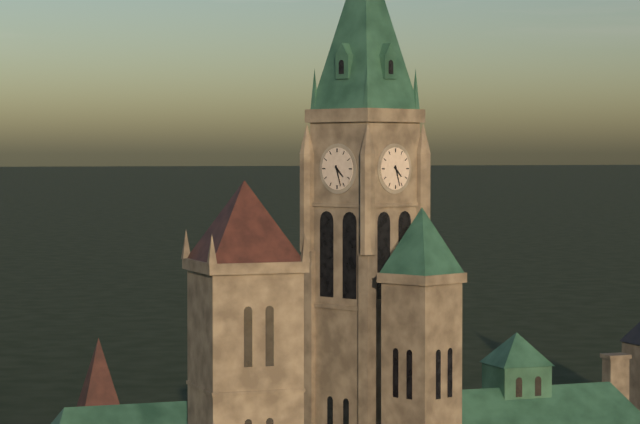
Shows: 4h27
